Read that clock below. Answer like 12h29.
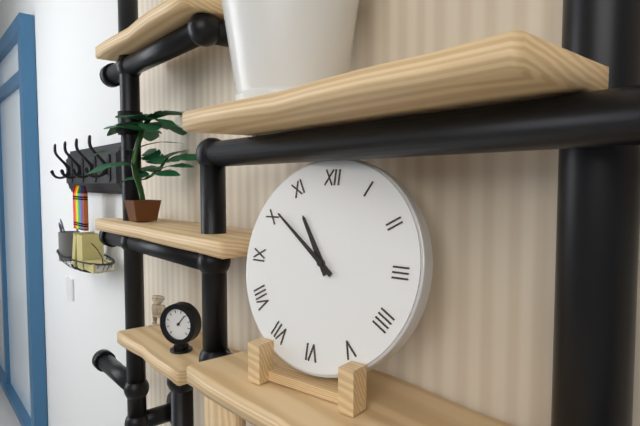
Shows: 10h51
